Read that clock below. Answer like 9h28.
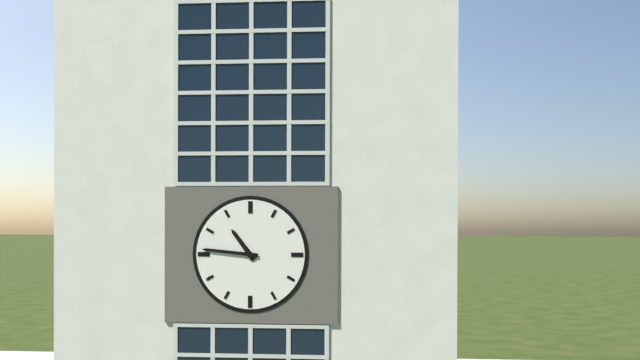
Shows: 10h46
